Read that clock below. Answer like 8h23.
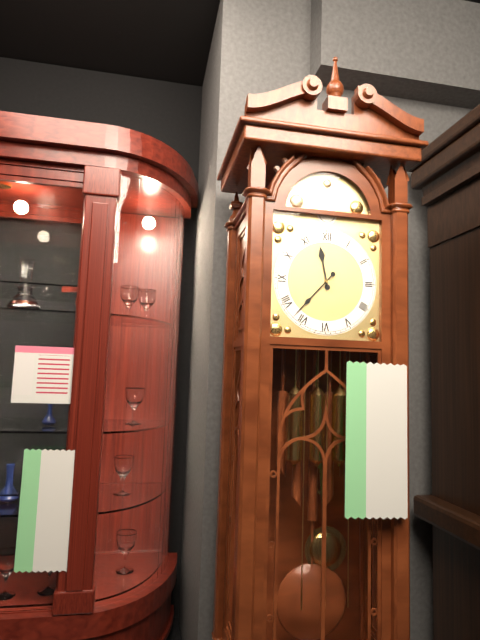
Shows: 11h37
